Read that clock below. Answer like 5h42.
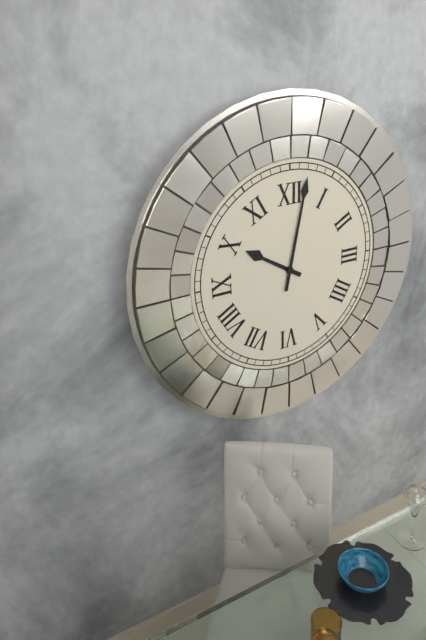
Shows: 10h02
